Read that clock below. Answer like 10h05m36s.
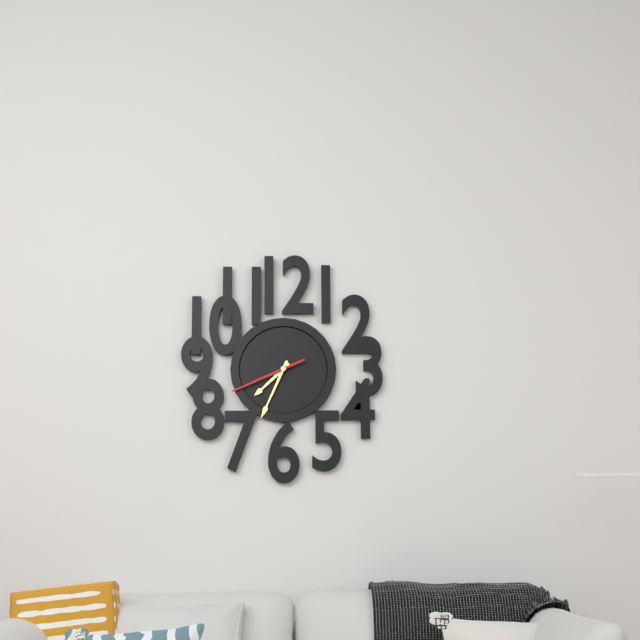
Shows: 7h34m41s
